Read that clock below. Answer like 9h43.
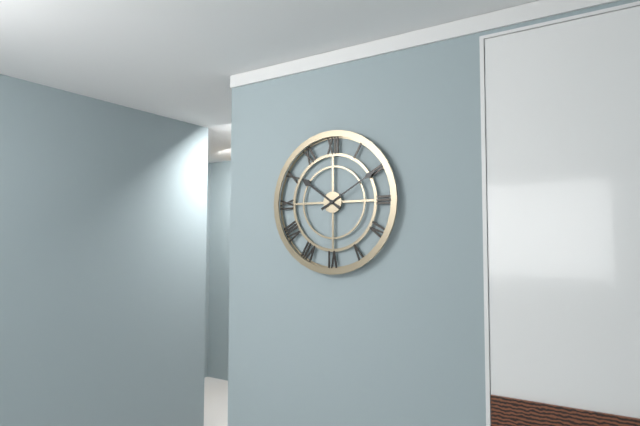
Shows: 10h10
